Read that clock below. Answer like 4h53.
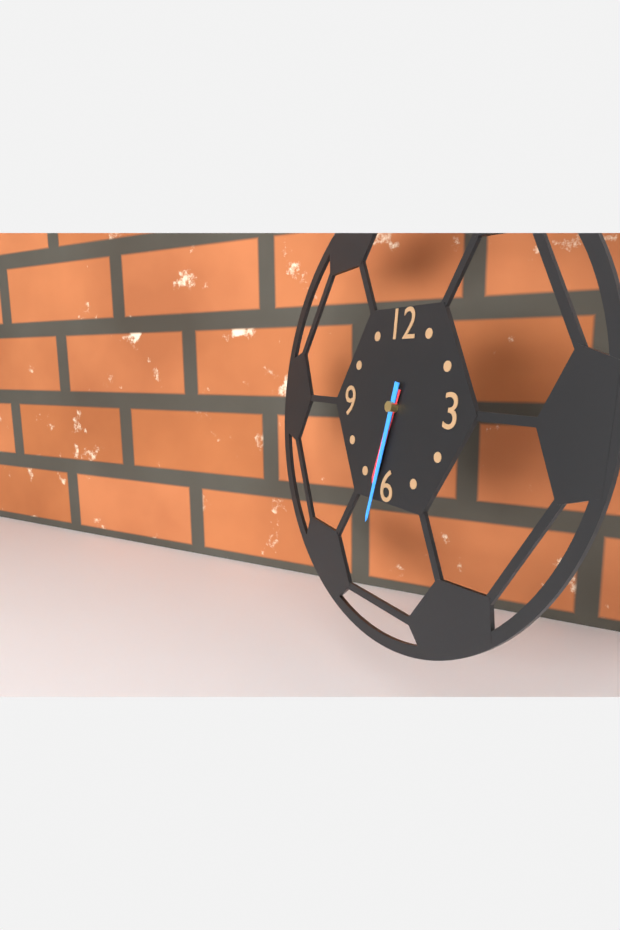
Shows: 6h32
